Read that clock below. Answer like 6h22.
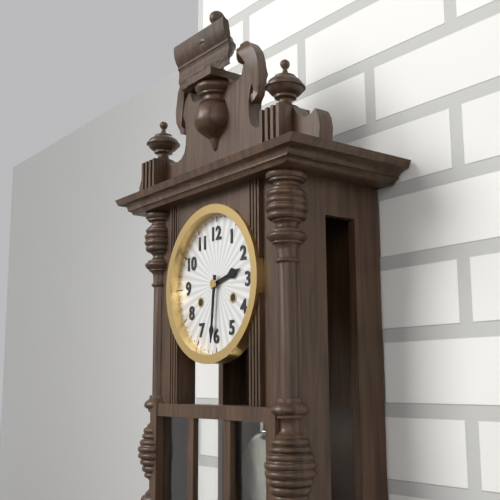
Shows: 2h31
